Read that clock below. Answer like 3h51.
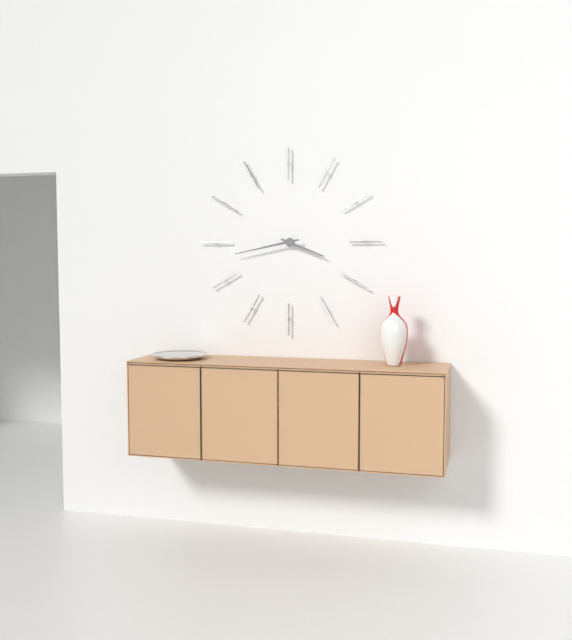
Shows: 3h43
